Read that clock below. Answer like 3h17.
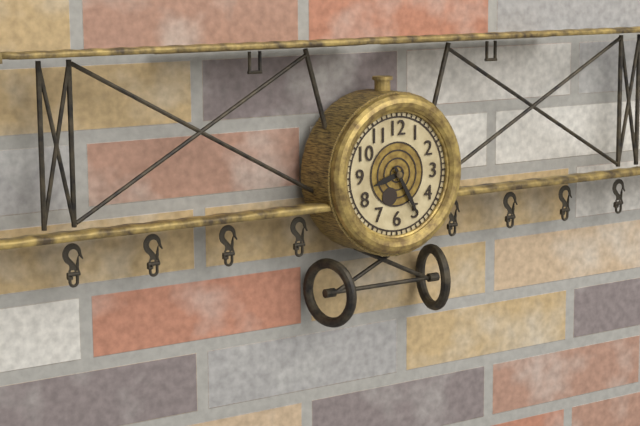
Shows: 8h25
